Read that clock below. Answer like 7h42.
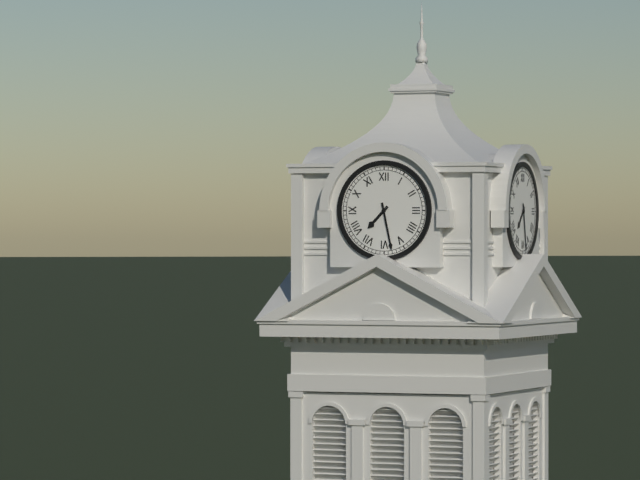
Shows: 7h28
